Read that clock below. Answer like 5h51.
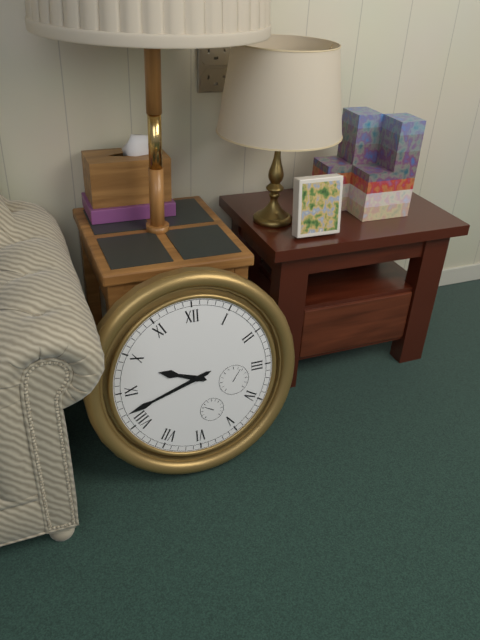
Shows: 9h42
